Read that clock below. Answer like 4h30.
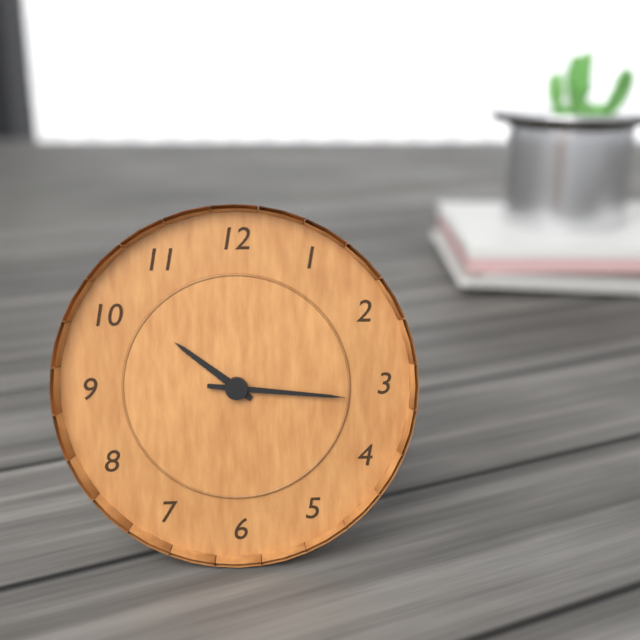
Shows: 10h16
